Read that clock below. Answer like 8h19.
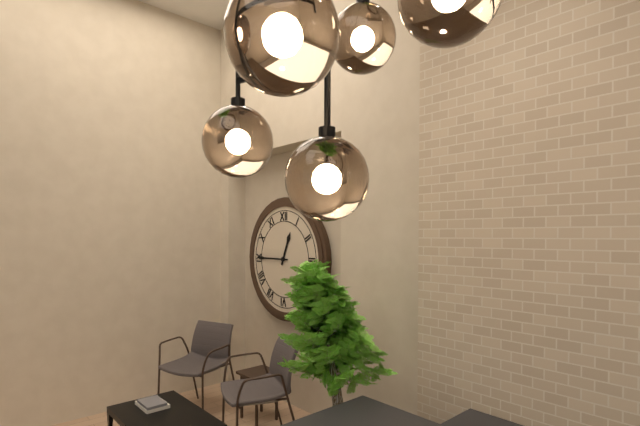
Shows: 12h45
